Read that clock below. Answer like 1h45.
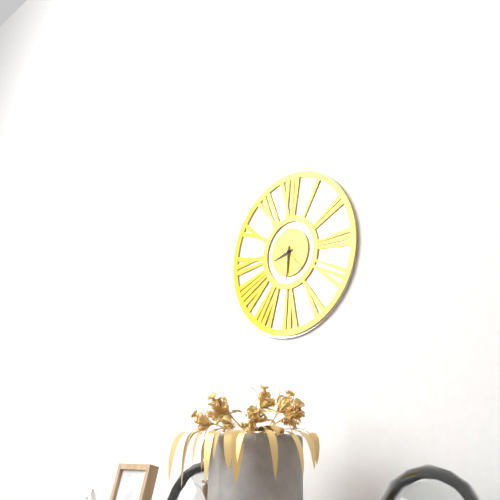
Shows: 8h31
